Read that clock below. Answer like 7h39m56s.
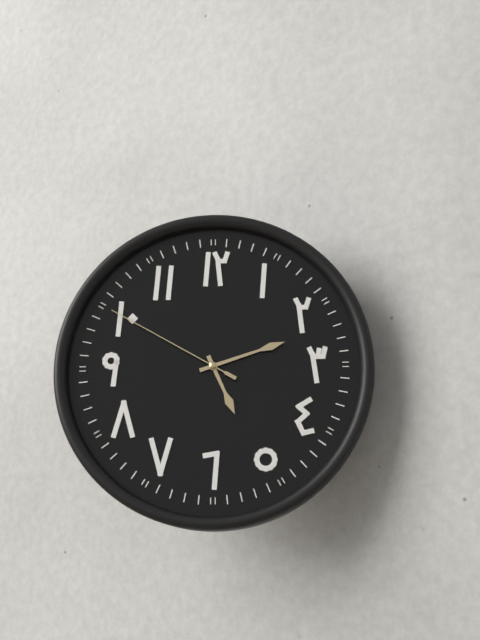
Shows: 5h12m50s
